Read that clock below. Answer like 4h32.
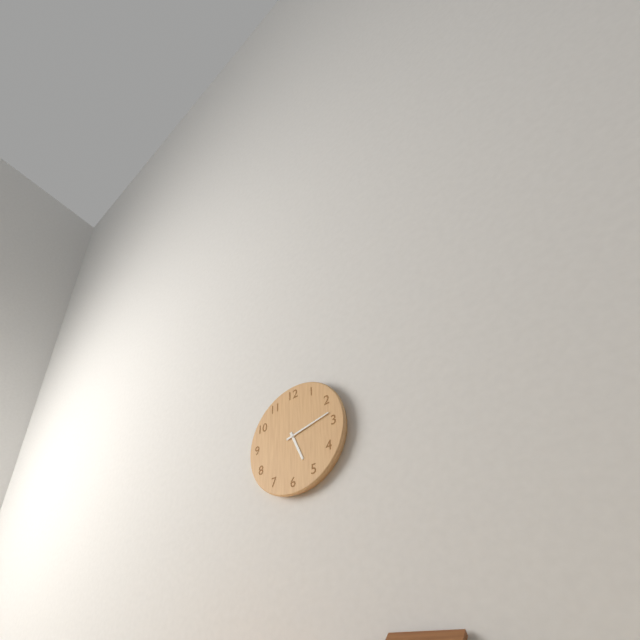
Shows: 5h13
